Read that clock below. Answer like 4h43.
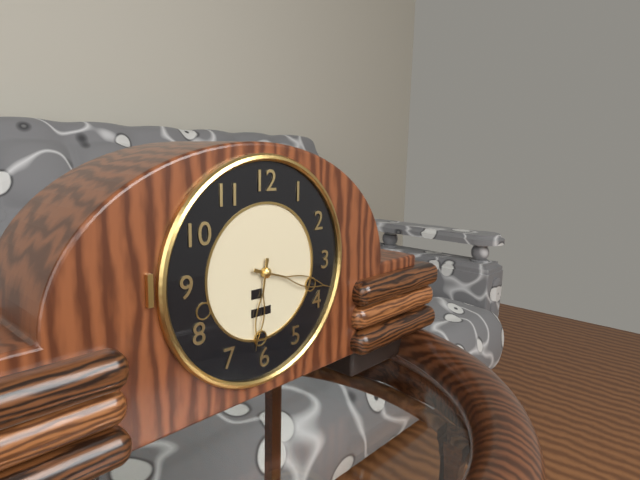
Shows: 6h18
